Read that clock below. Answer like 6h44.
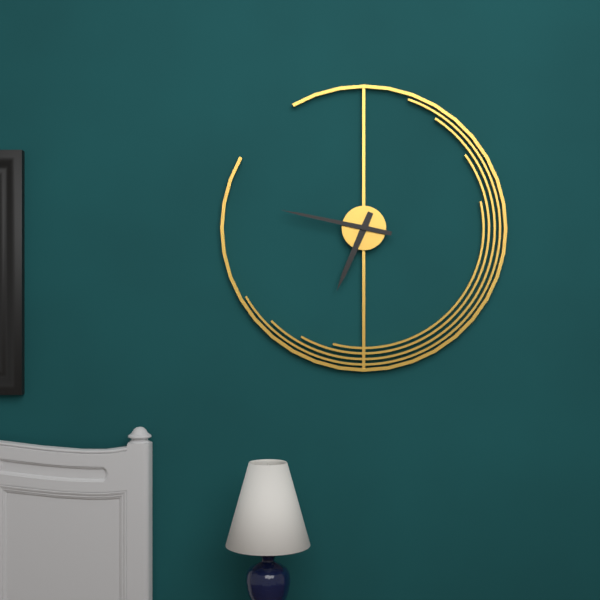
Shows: 6h47
